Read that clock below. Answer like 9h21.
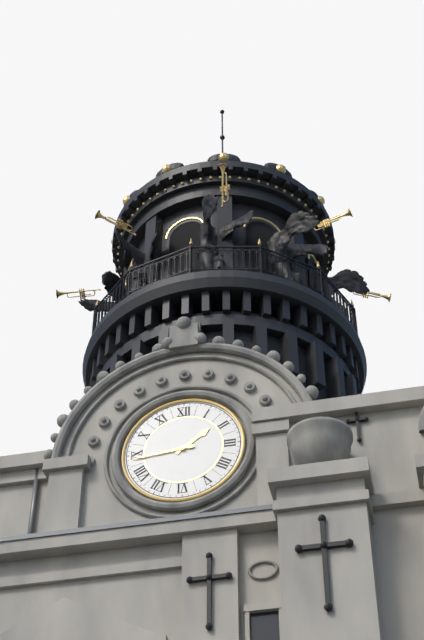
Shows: 1h44
